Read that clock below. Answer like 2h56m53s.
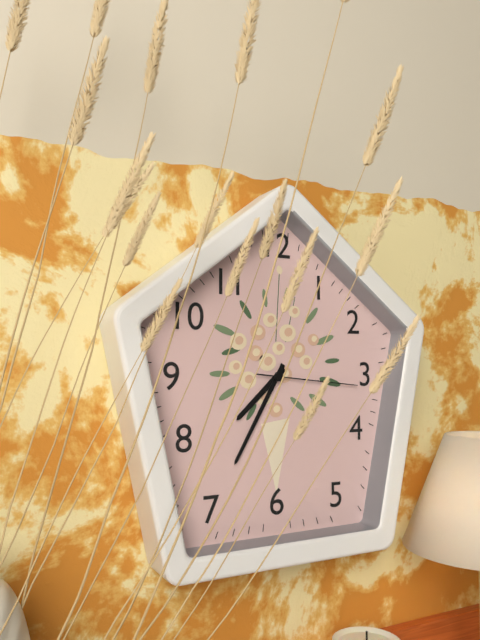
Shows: 7h35m16s
